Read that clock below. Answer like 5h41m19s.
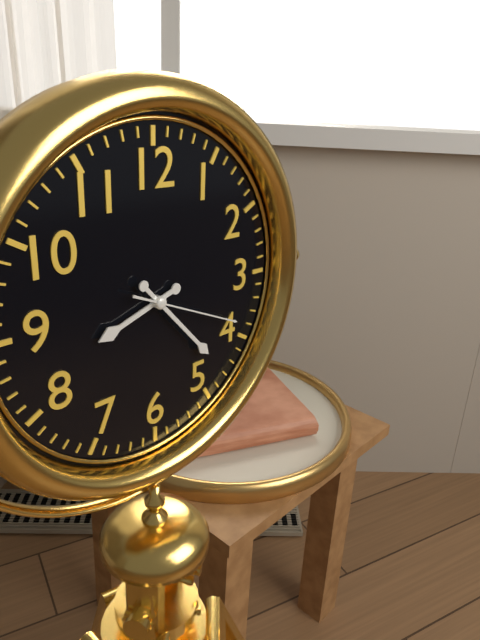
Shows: 8h23m19s
